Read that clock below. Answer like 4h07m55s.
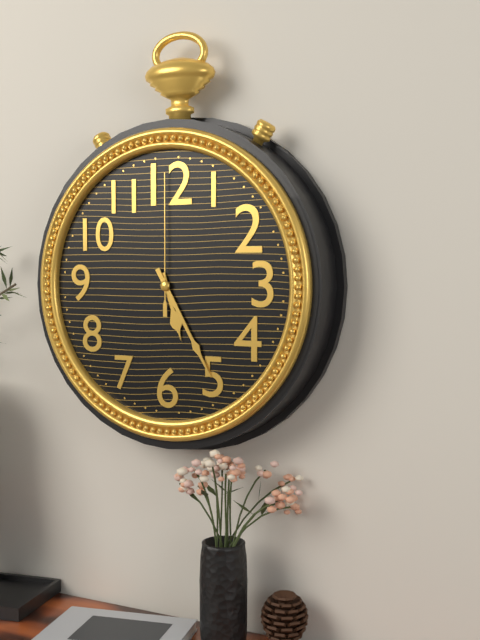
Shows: 5h25m00s
